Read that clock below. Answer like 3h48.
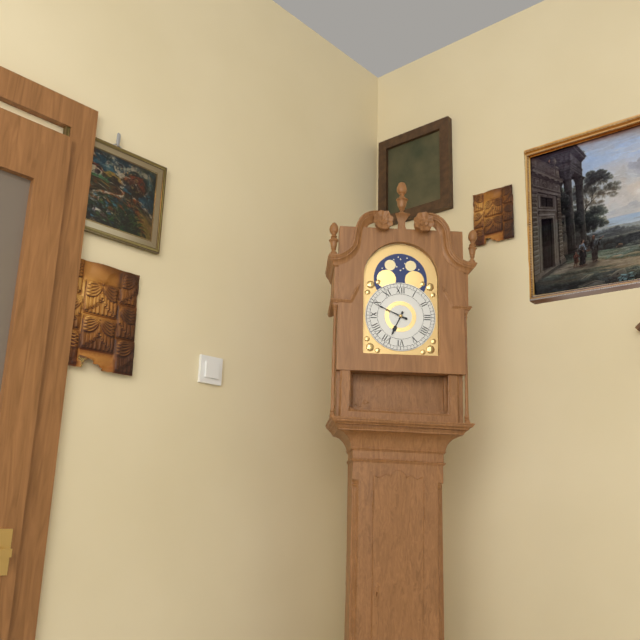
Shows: 6h49
